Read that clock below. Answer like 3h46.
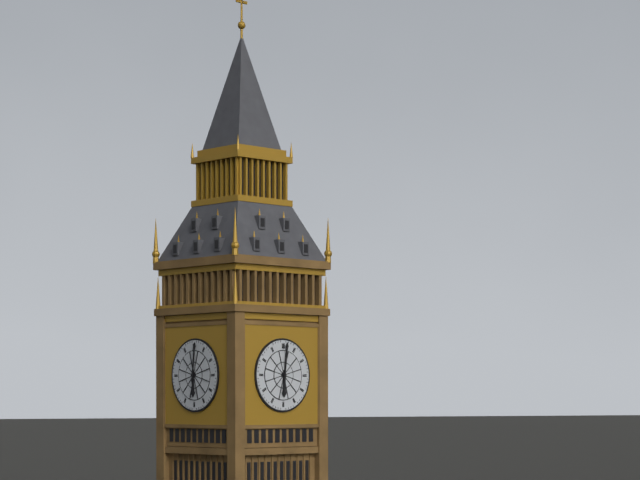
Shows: 6h01
